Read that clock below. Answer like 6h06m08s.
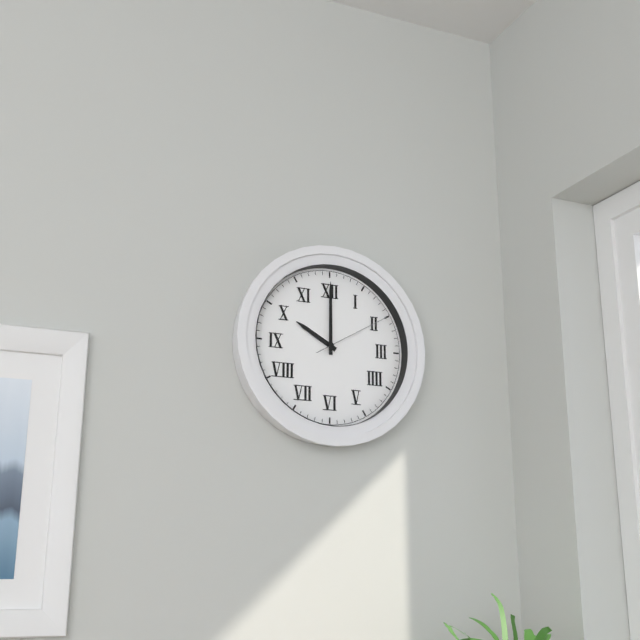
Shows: 10h00m10s
